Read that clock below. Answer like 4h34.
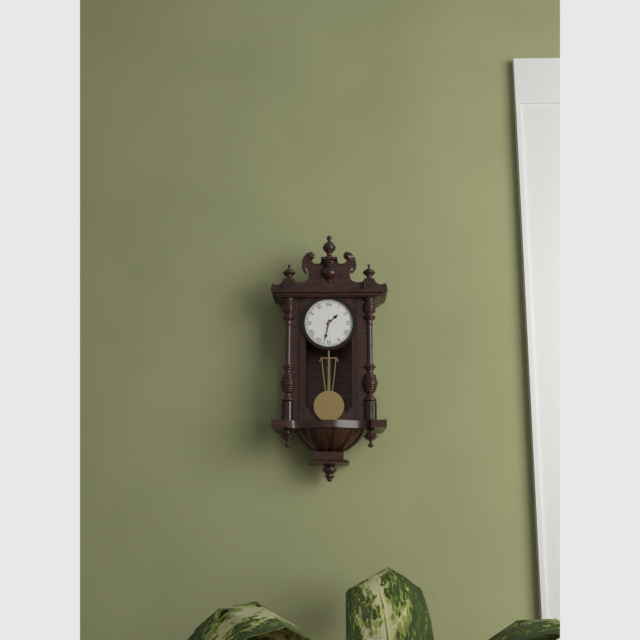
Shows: 1h32
